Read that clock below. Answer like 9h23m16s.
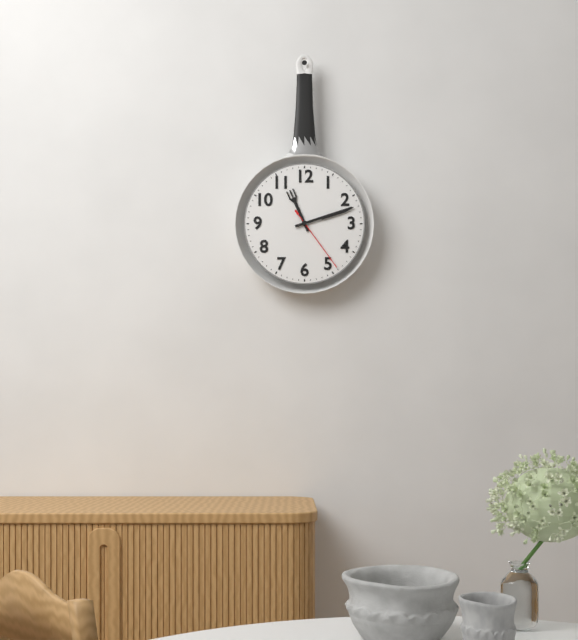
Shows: 11h12m24s
